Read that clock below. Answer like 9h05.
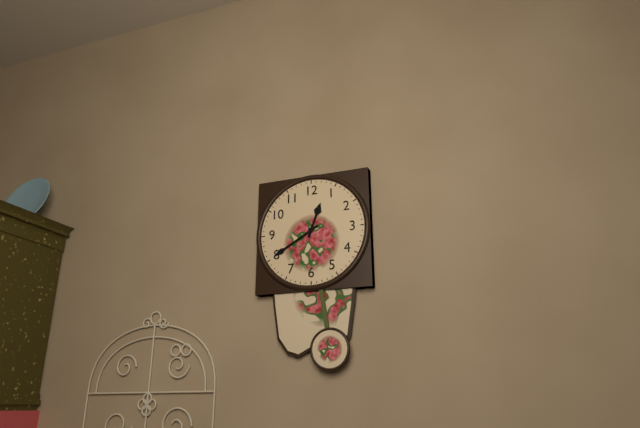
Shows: 12h40
